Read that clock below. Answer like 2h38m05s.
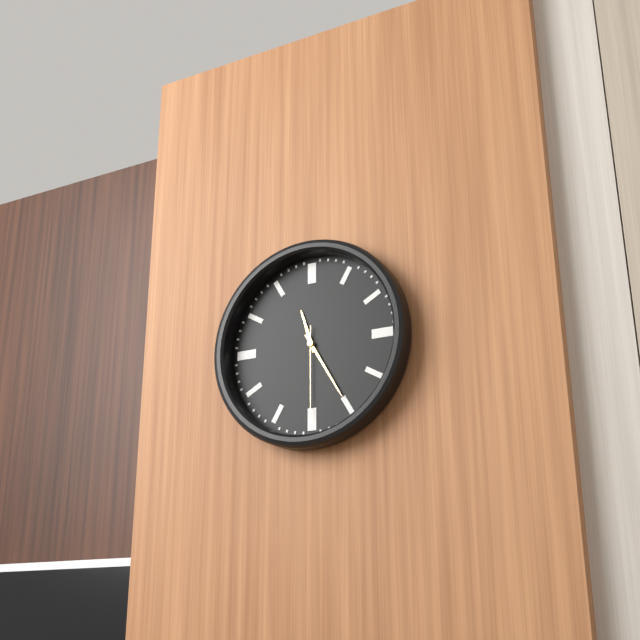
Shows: 11h25m30s
